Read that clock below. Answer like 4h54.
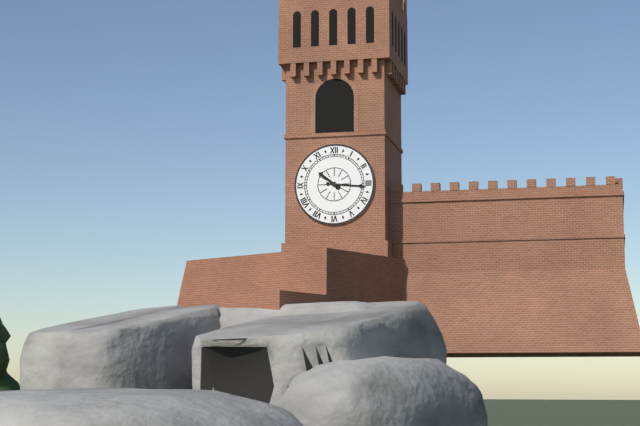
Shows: 10h16
